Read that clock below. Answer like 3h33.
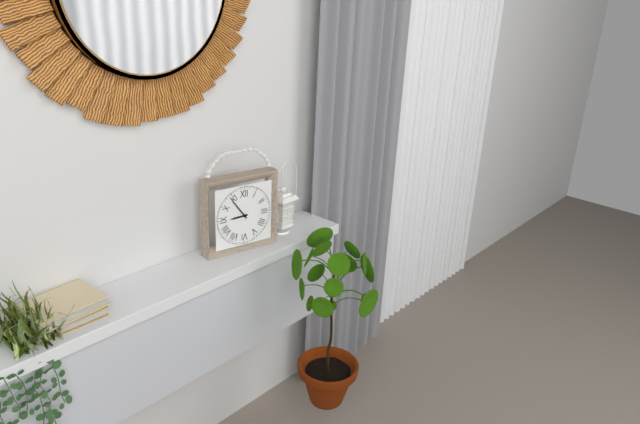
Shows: 8h54
